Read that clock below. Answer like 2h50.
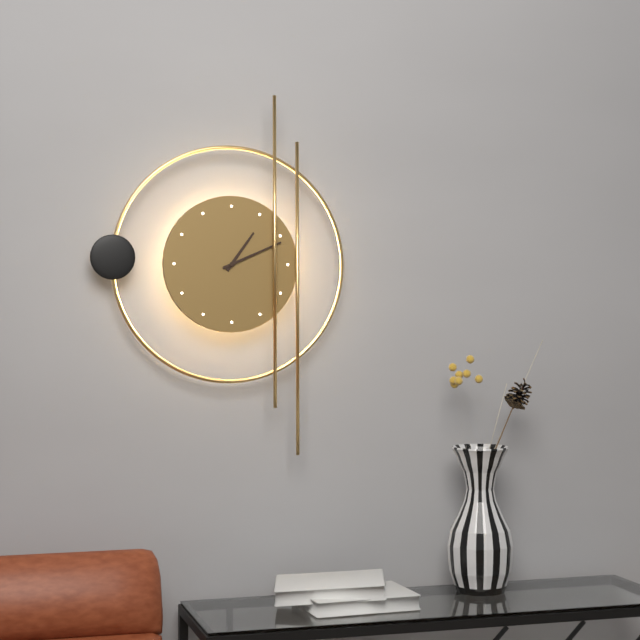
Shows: 1h11
